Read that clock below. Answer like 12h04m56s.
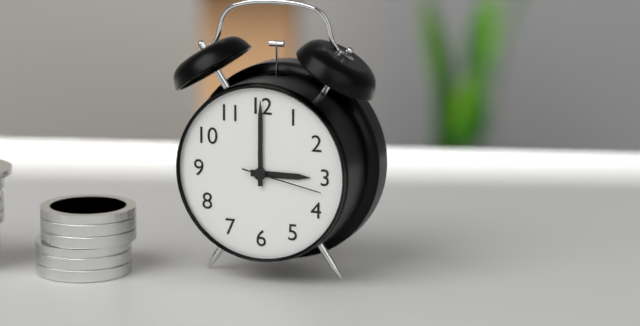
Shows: 3h00m17s
